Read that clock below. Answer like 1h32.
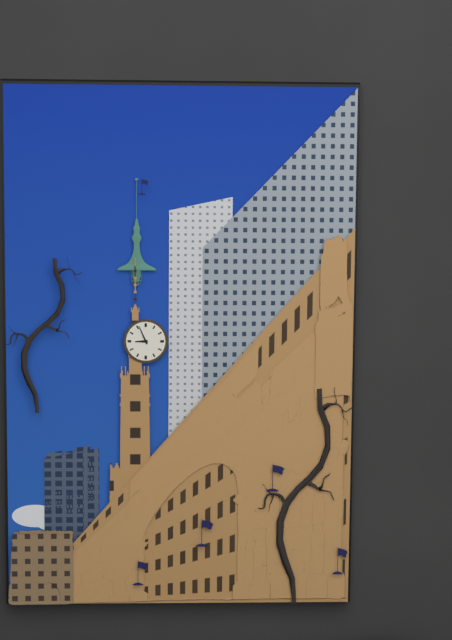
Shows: 8h56
